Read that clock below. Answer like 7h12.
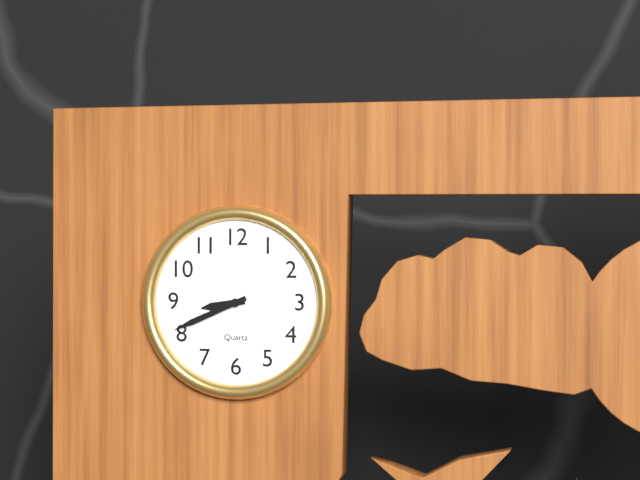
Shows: 8h41
